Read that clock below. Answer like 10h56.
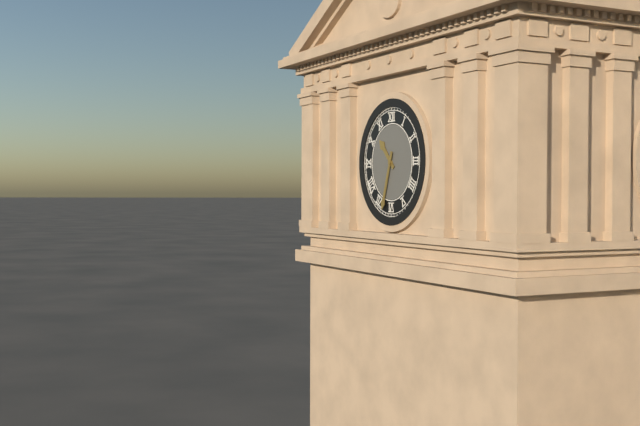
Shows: 10h33
